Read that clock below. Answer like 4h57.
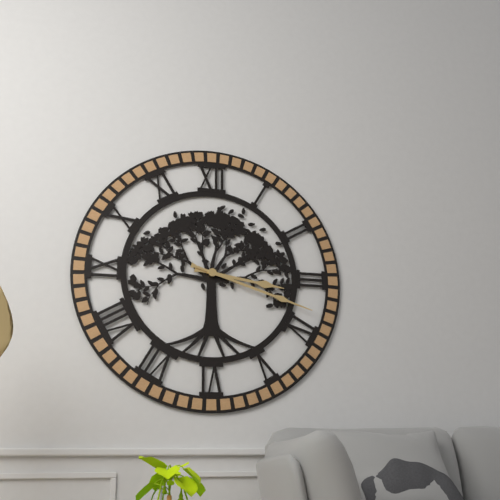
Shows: 3h18
